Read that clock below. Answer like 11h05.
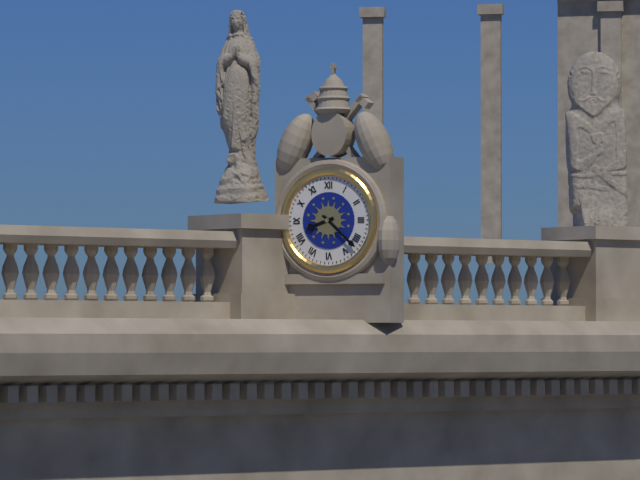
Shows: 8h22
